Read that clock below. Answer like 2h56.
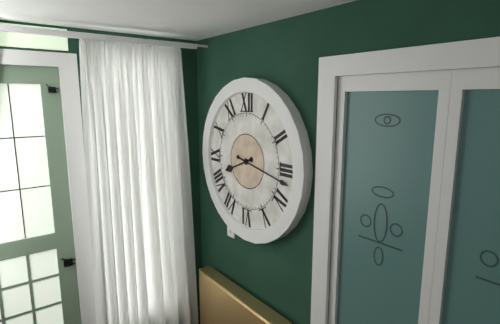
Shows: 8h17
